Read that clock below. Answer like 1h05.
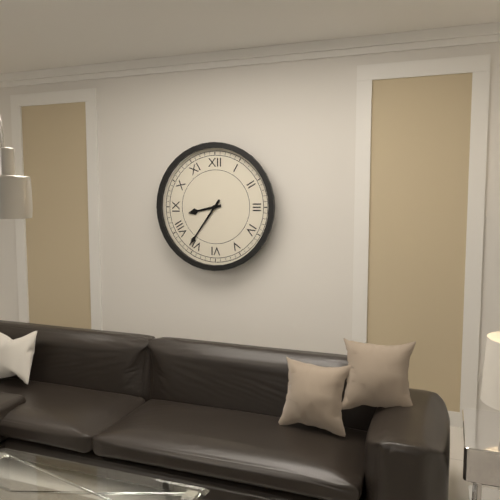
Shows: 8h36
